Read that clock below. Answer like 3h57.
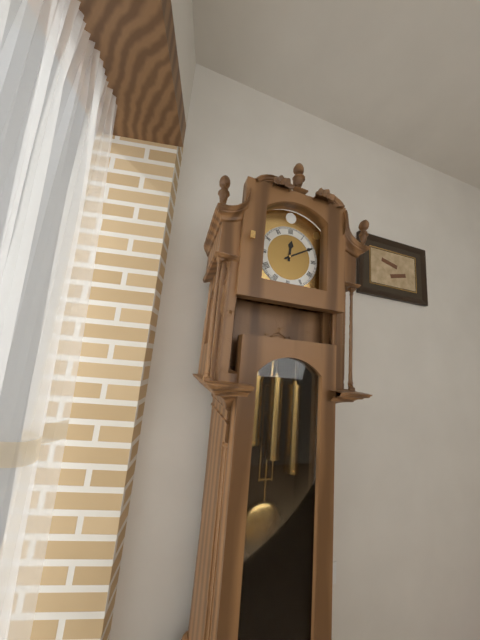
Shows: 12h10
